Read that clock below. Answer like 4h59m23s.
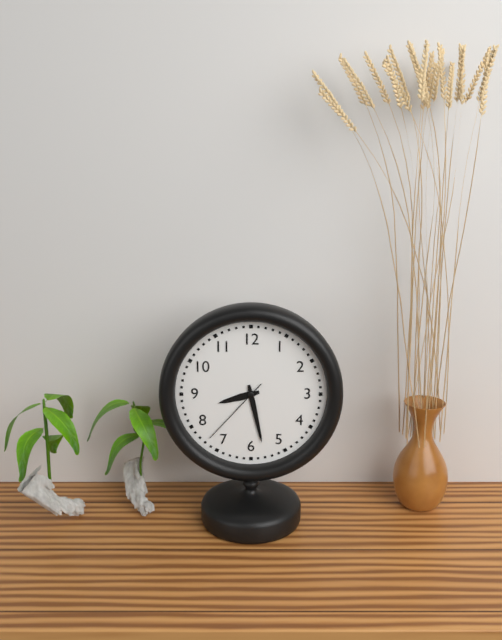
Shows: 8h28m37s
